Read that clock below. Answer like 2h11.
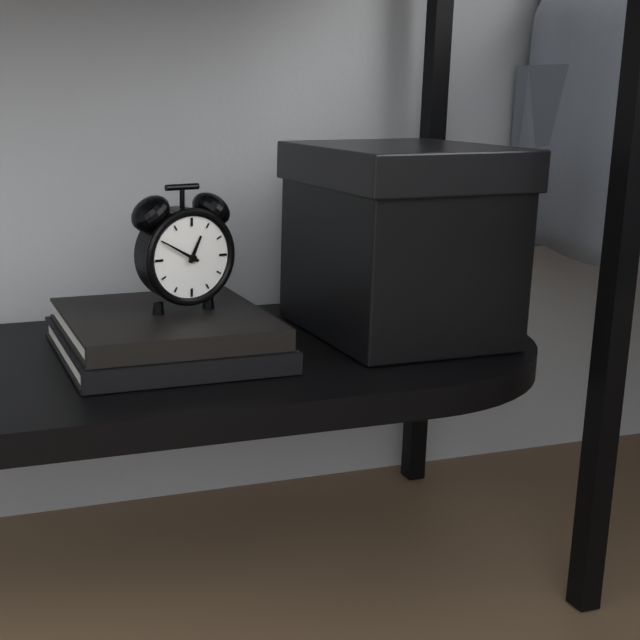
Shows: 12h50
